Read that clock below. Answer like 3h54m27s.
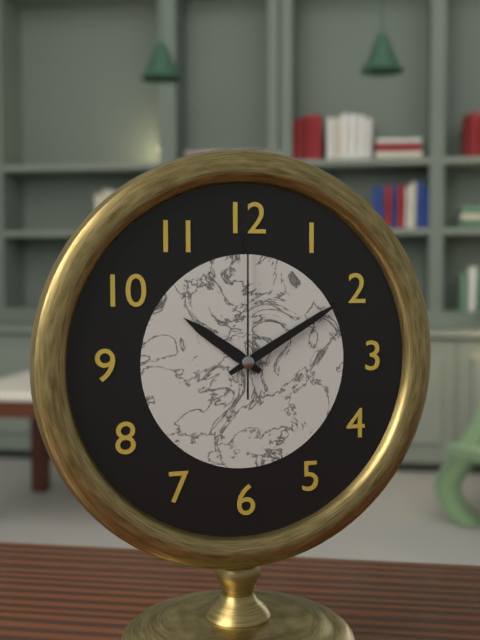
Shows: 10h10m00s
